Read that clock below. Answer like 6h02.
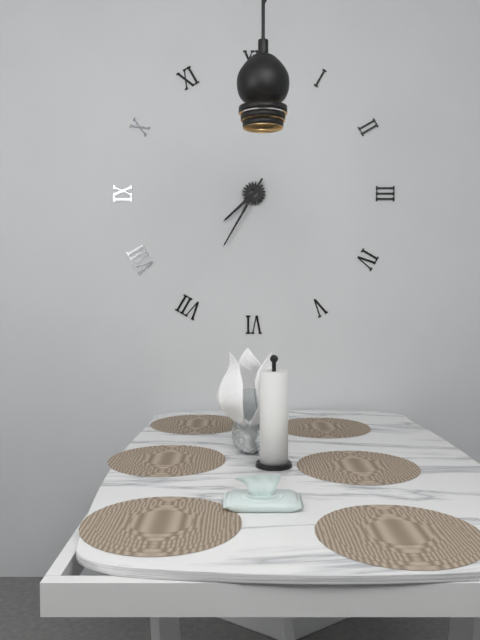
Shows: 7h35
